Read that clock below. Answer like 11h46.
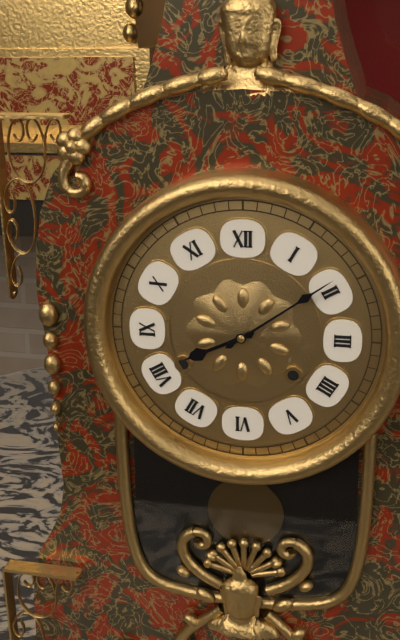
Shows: 8h09
